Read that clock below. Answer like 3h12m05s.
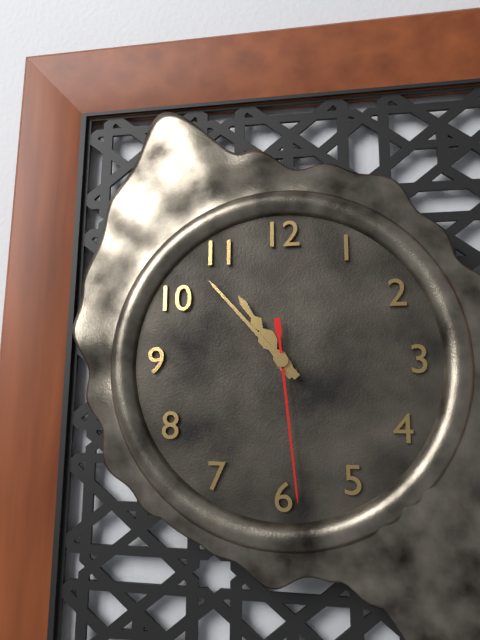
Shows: 10h53m29s
